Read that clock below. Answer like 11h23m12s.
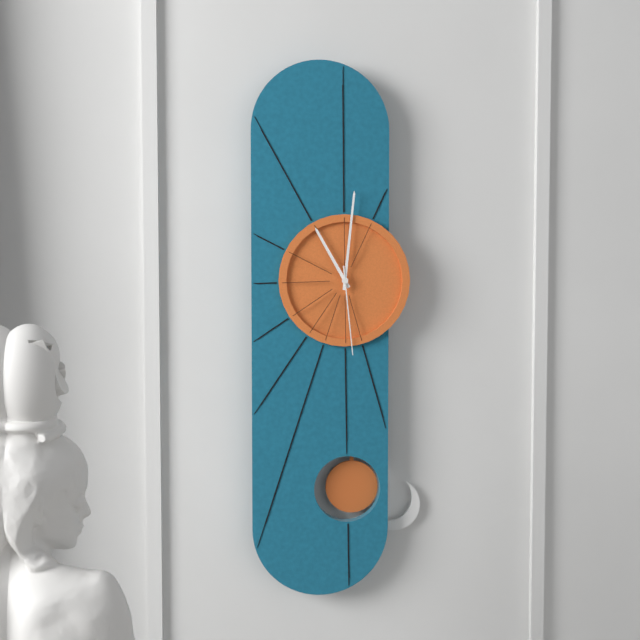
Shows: 11h01m29s
